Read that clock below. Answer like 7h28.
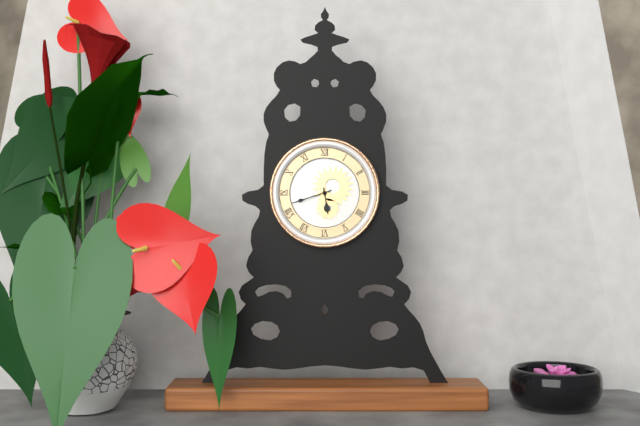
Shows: 5h42
